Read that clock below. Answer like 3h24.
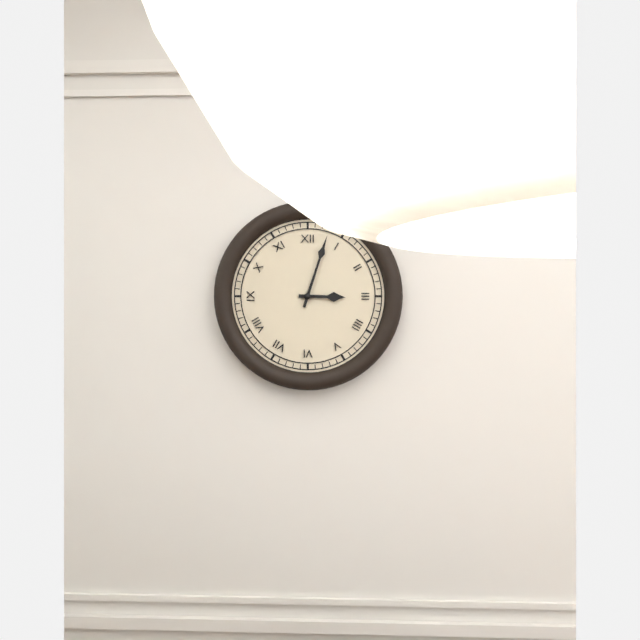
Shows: 3h03
